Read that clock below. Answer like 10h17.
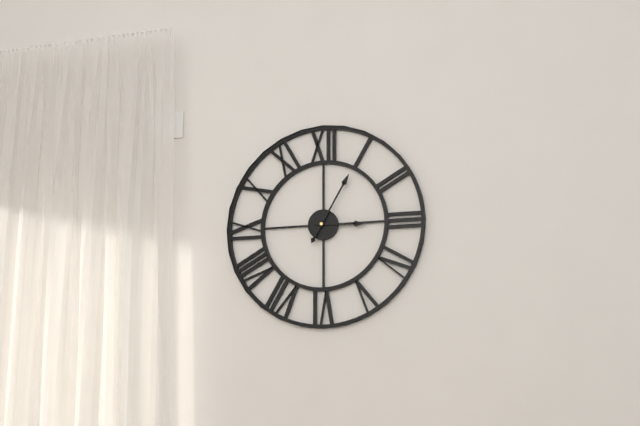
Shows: 3h05
